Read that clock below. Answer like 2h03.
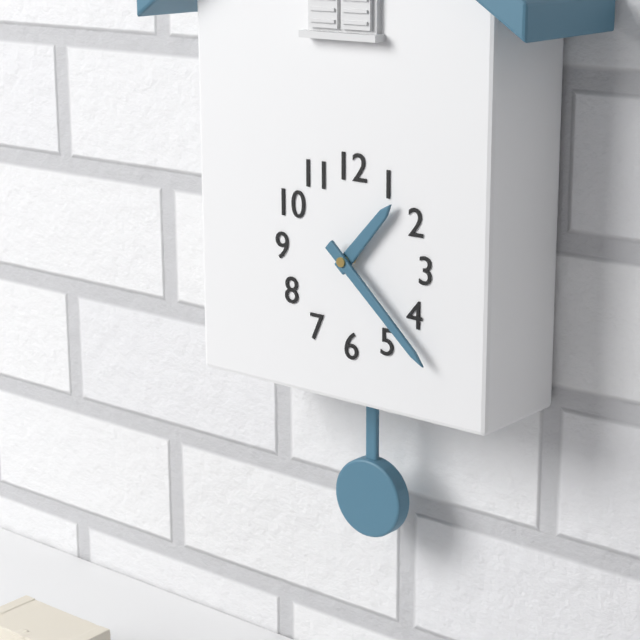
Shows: 1h22
